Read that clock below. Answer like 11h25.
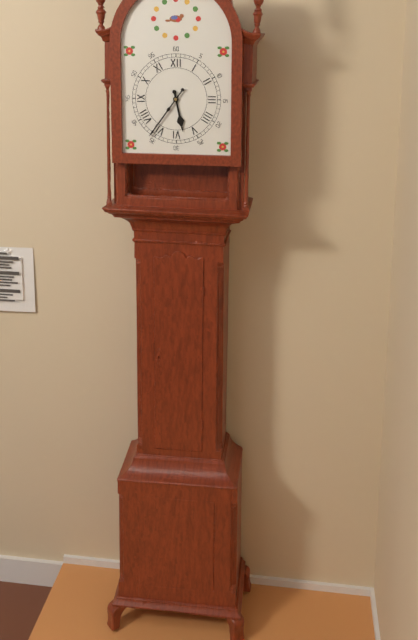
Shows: 5h36
